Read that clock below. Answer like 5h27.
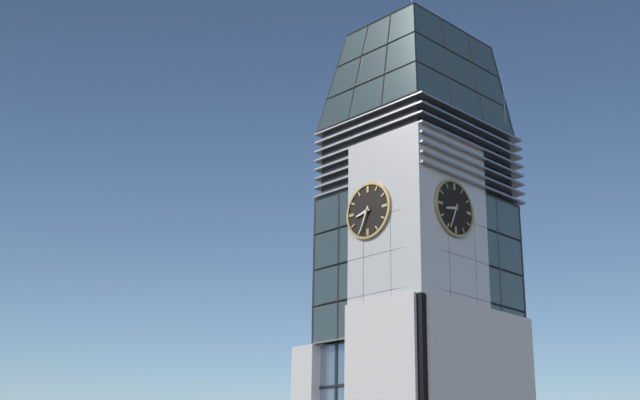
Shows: 8h34
